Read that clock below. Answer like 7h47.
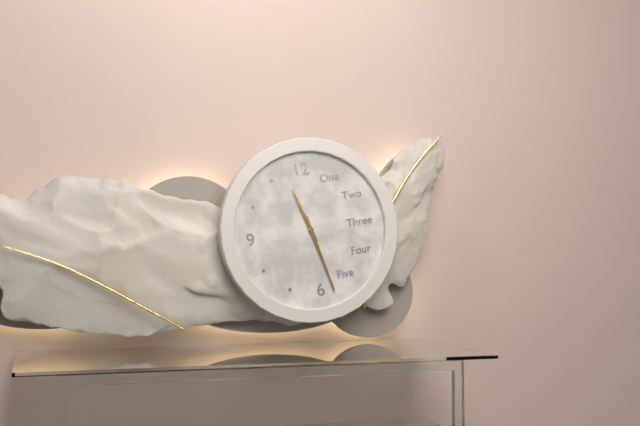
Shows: 11h28
